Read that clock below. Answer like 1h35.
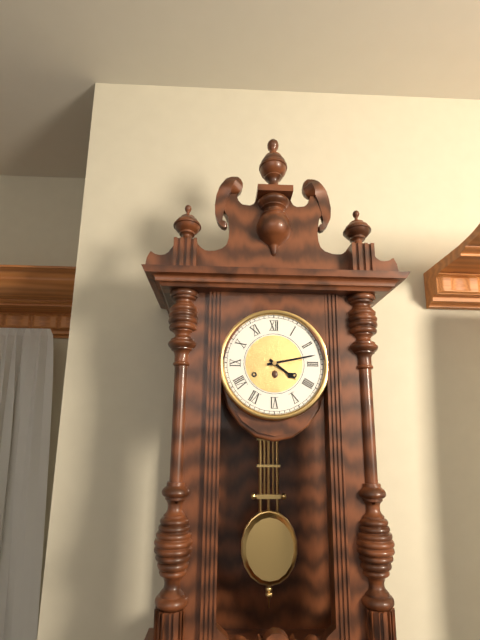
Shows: 4h13
